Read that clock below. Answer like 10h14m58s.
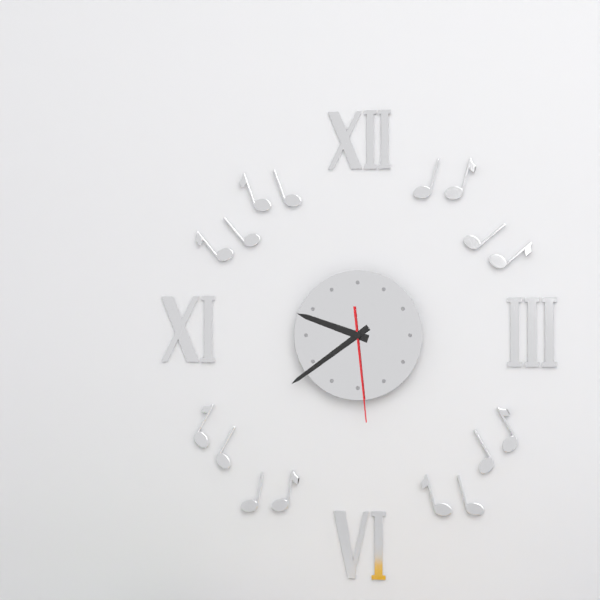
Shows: 9h39m29s
